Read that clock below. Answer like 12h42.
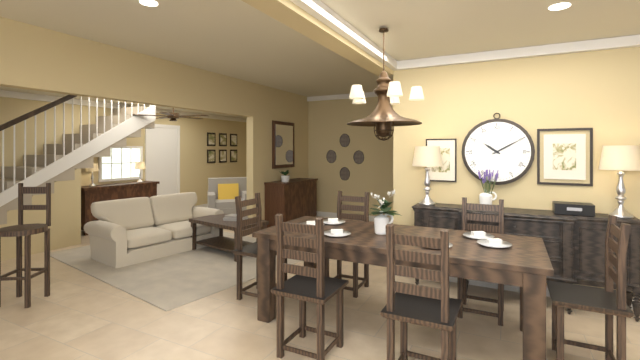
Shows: 10h10
